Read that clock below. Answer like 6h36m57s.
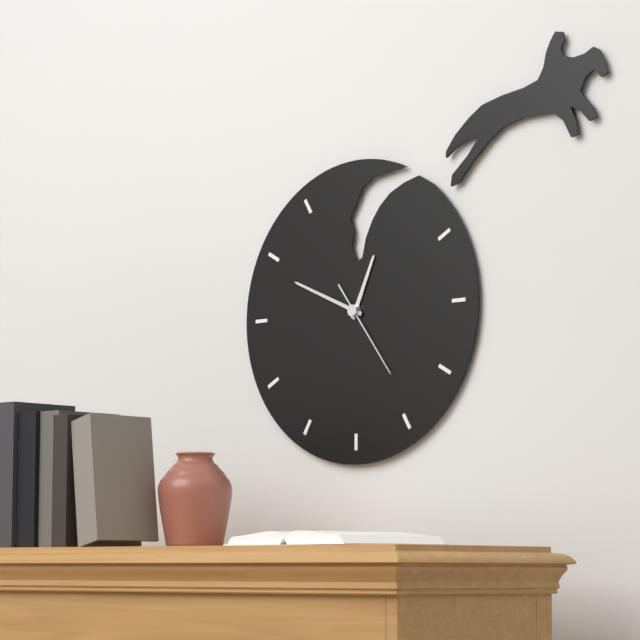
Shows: 12h49m24s
